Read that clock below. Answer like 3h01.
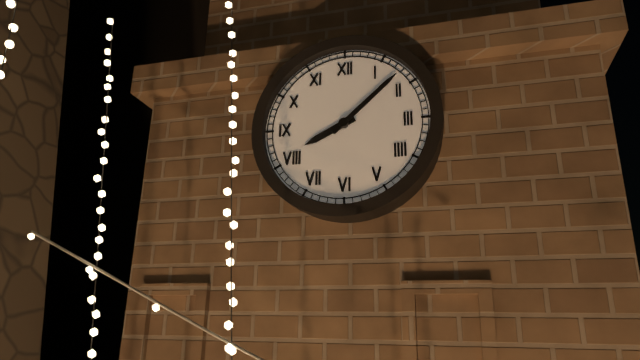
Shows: 8h08
